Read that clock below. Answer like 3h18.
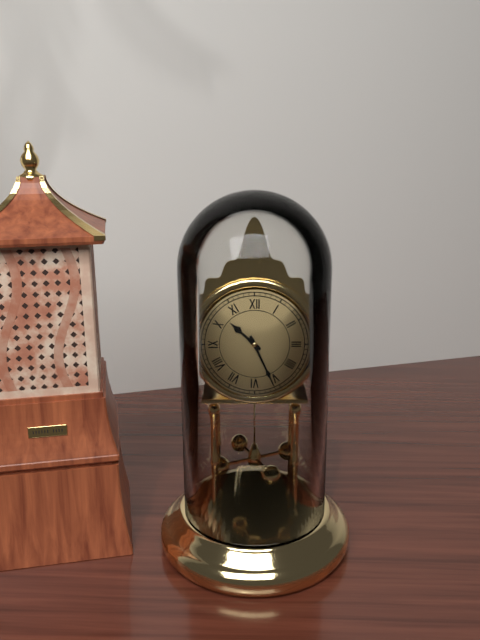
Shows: 10h26
